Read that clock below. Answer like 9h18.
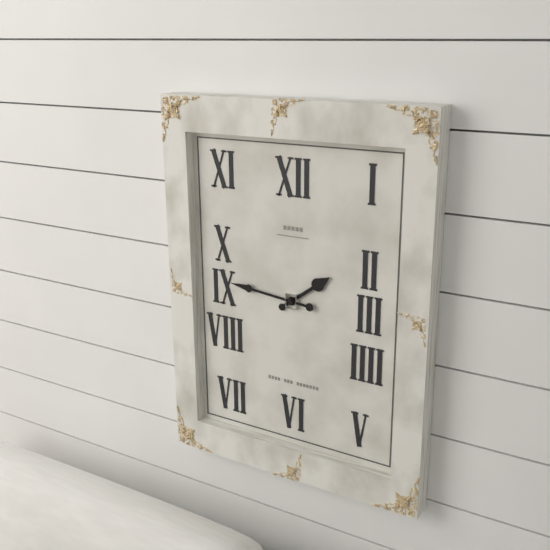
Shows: 1h46
